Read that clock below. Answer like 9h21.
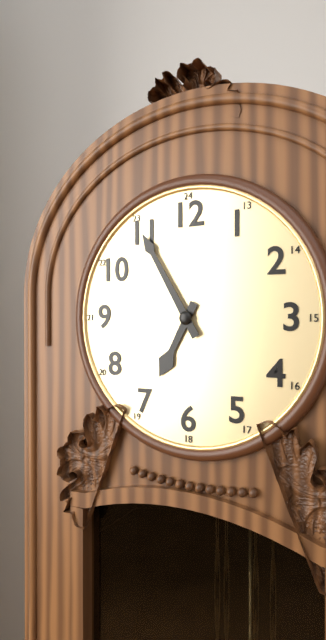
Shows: 6h55
